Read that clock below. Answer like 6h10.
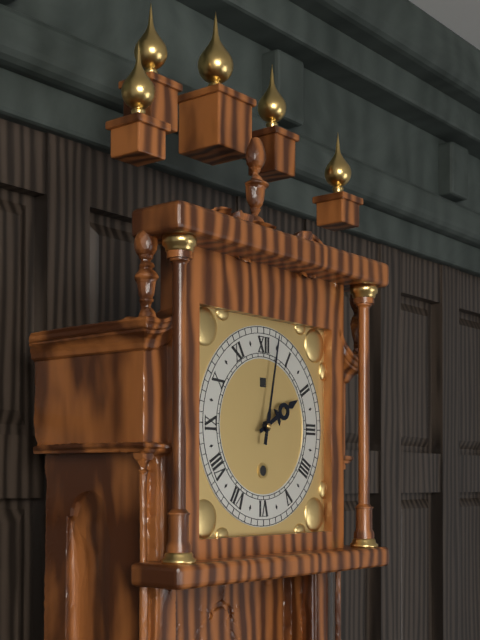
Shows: 2h02
